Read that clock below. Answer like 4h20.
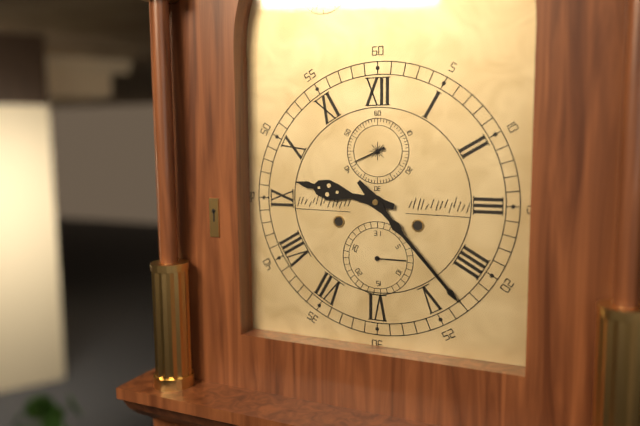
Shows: 9h23
